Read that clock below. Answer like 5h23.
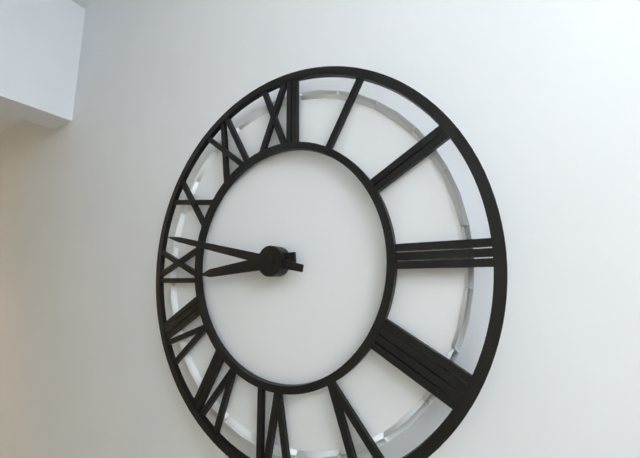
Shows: 8h47
